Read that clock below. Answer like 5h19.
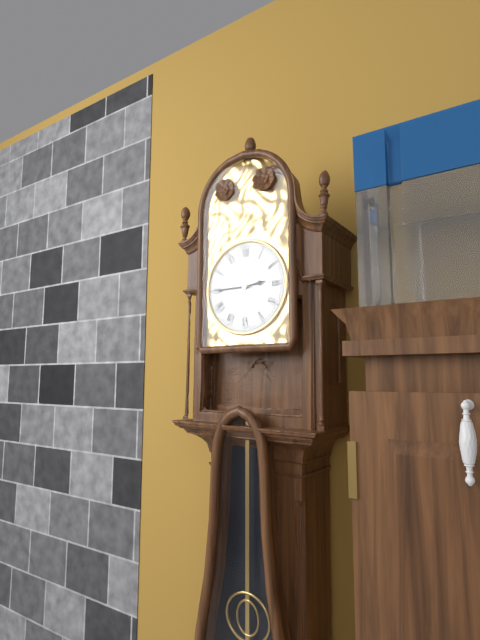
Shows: 2h45
